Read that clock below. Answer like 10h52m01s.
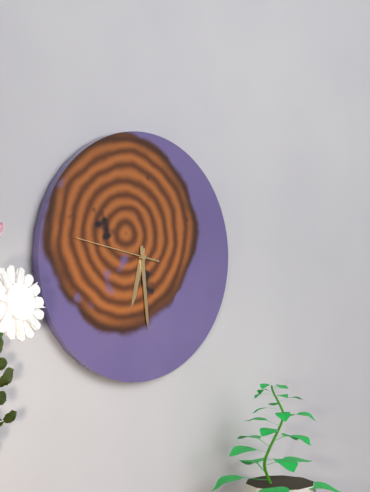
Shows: 6h29m47s
